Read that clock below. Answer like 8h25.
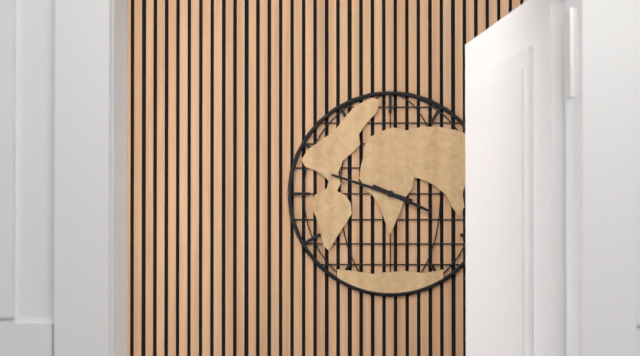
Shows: 3h48
